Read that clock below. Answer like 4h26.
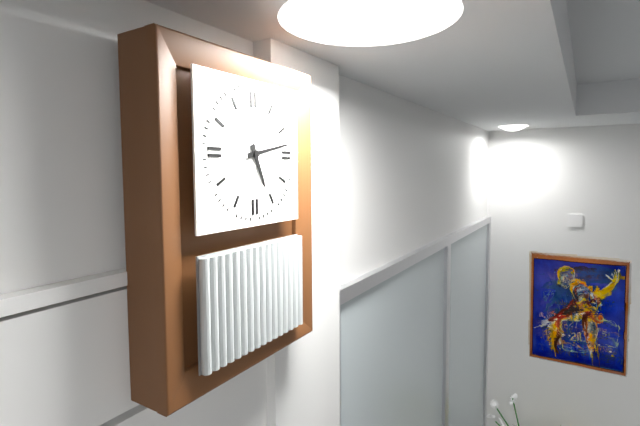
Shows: 5h13
